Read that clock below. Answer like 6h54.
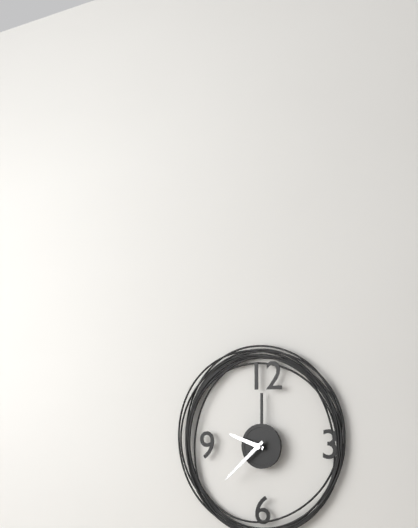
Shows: 9h38
